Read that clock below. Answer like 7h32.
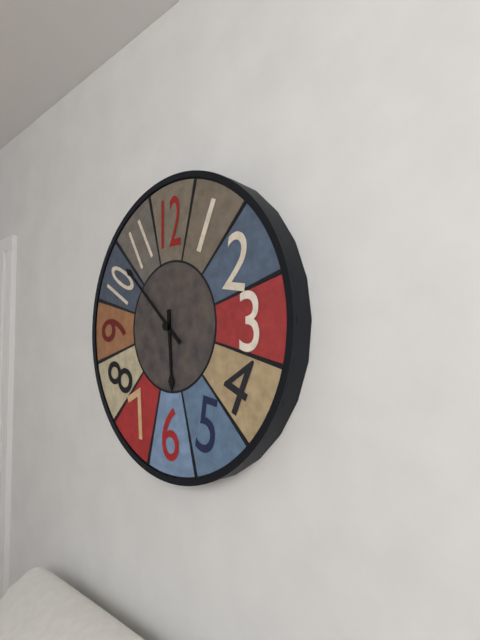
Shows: 5h52
